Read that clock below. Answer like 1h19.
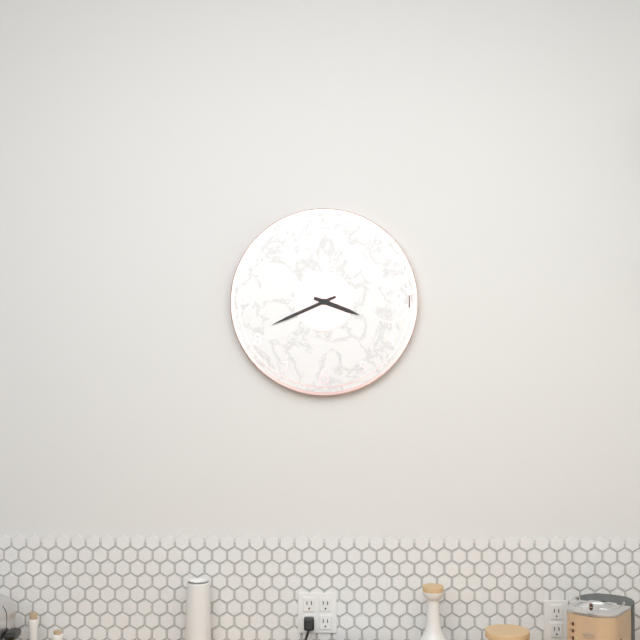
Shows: 3h41
